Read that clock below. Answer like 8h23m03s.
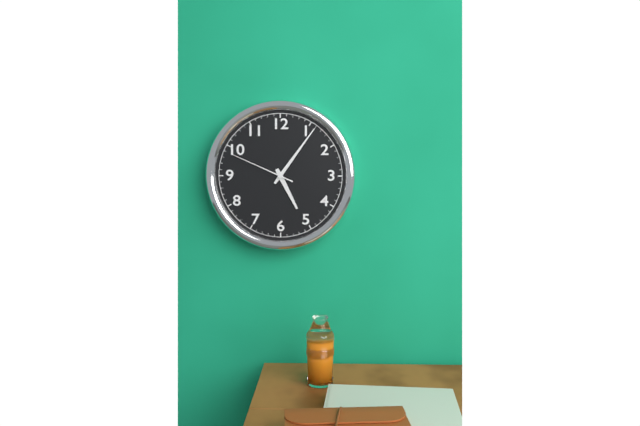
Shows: 5h06m49s
